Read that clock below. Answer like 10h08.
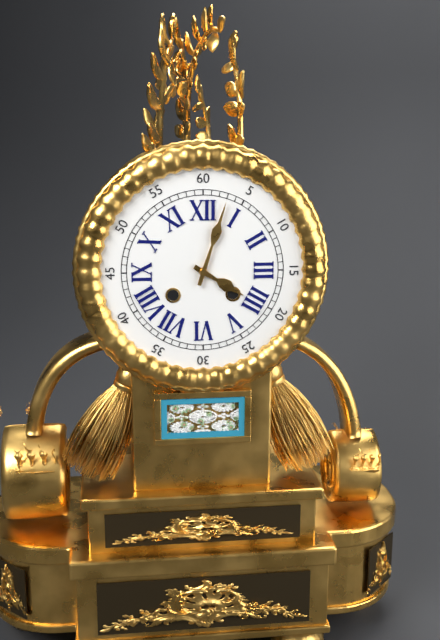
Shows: 4h03
